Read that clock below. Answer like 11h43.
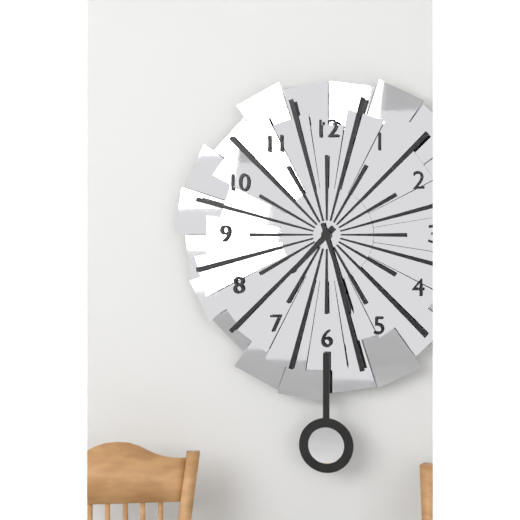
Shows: 7h27
